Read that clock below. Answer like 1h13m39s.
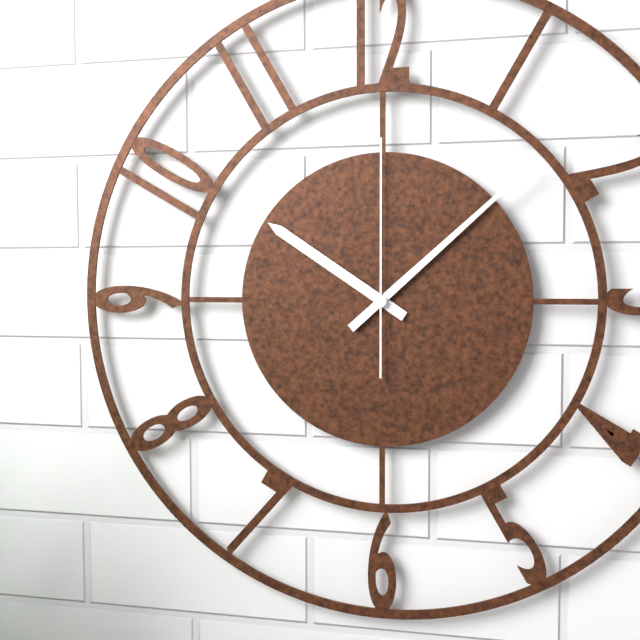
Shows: 10h08m00s
